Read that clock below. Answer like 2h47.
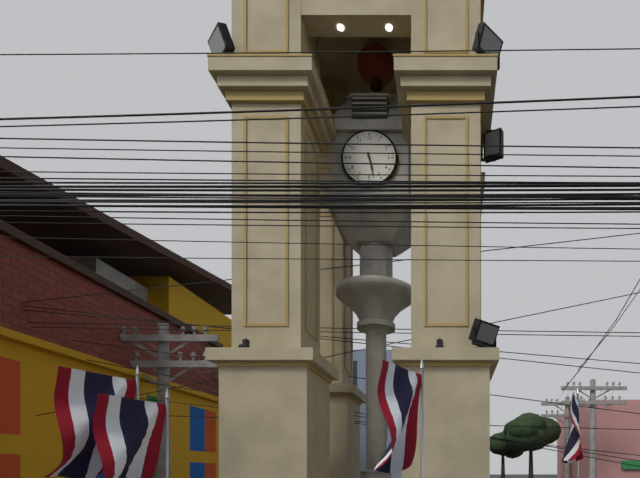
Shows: 5h28
